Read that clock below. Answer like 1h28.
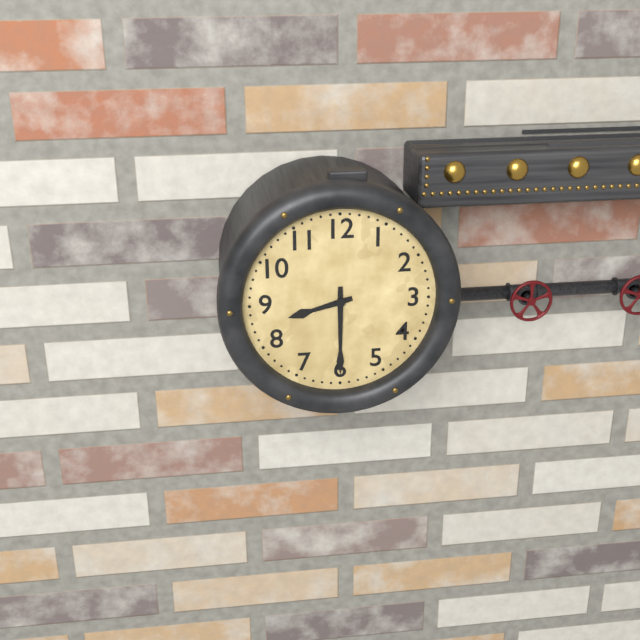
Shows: 8h30
